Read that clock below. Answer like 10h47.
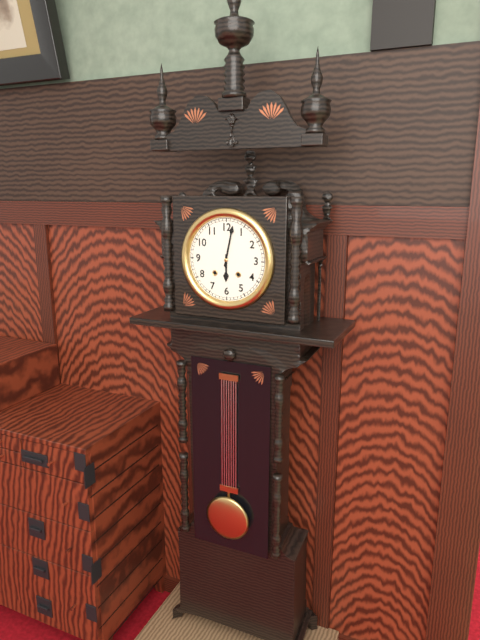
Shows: 6h02
